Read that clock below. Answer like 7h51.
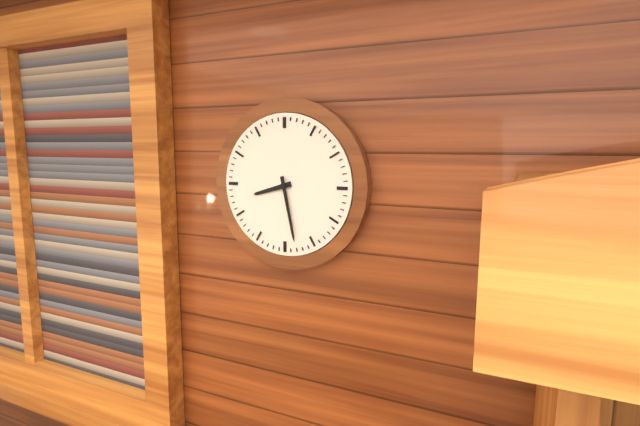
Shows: 8h28
